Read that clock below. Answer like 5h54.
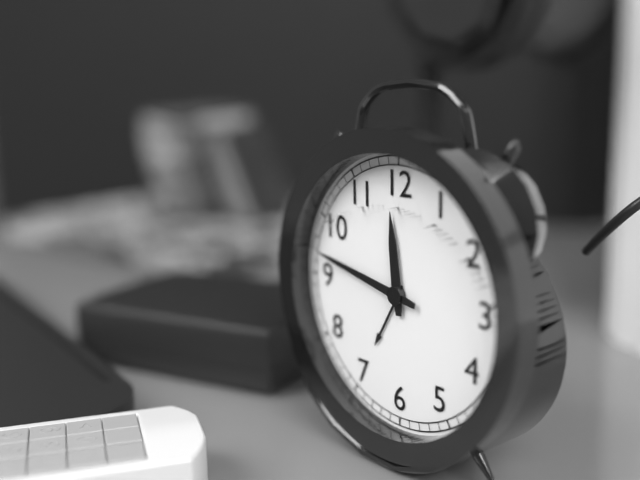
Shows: 11h47
